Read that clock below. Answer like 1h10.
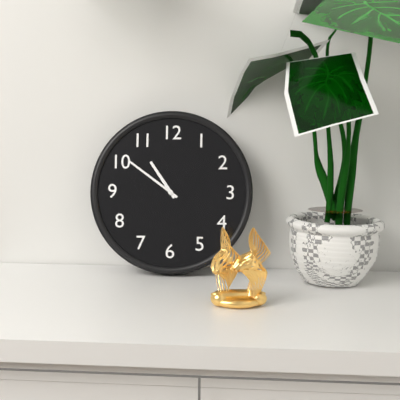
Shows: 10h51
